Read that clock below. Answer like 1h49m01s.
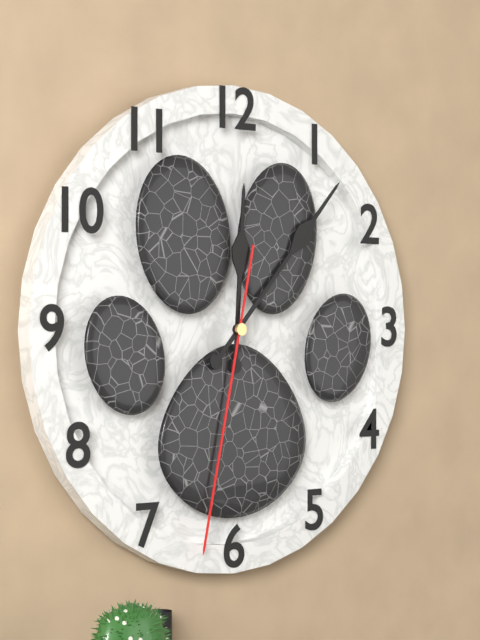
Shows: 12h07m32s
